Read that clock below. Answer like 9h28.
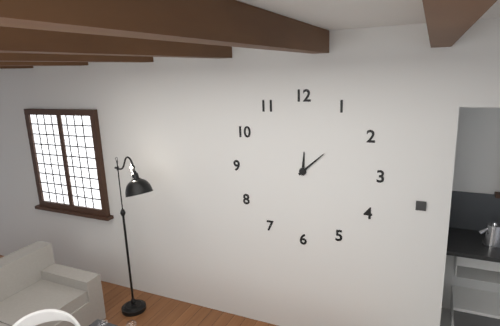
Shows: 12h08
